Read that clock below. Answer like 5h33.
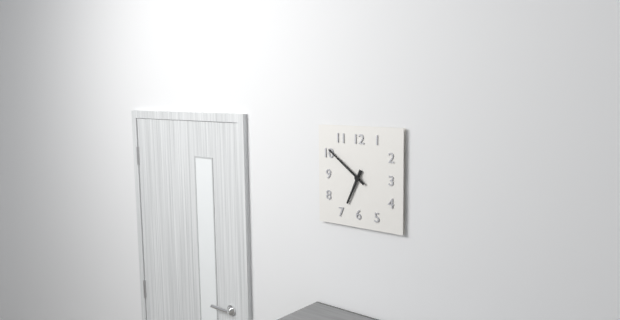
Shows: 6h51
